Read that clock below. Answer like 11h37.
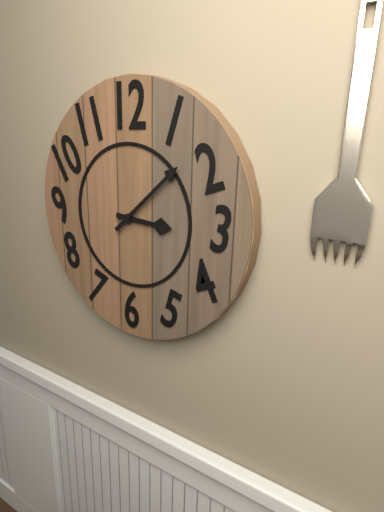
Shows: 3h08
